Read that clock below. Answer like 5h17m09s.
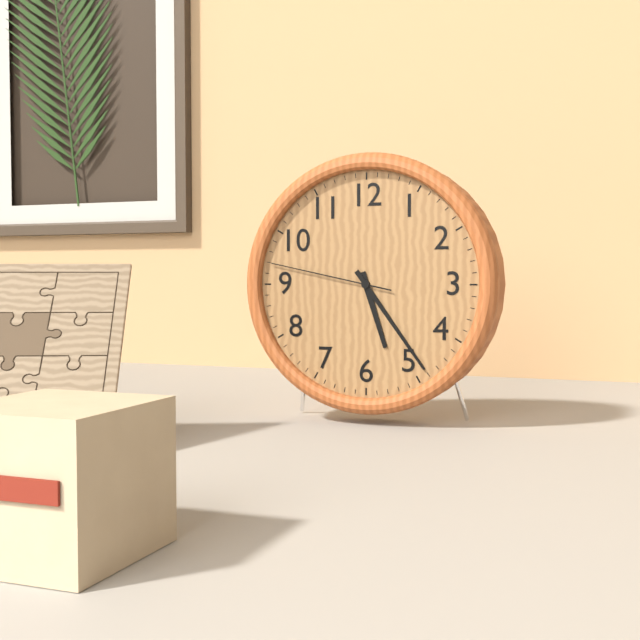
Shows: 5h24m47s
